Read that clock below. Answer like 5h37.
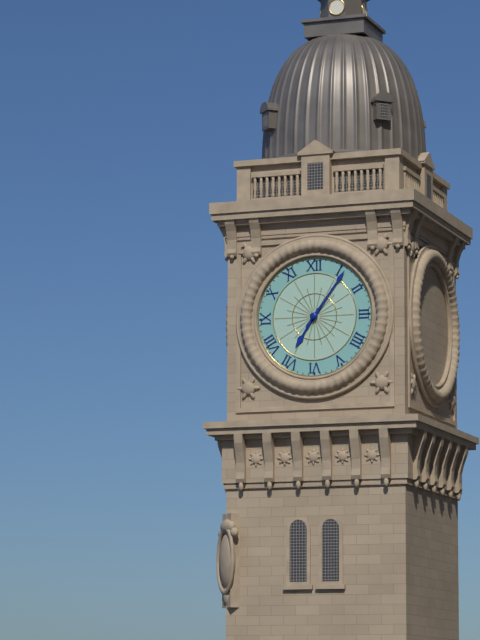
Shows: 7h06
